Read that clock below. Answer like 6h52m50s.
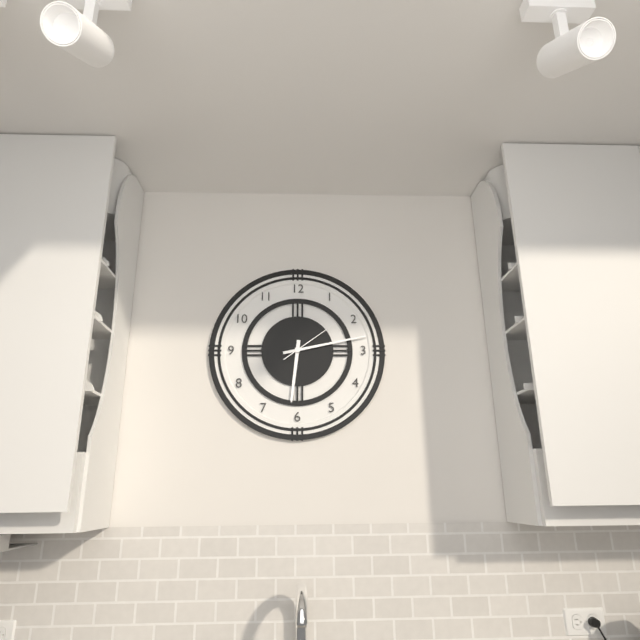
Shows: 6h13m09s
